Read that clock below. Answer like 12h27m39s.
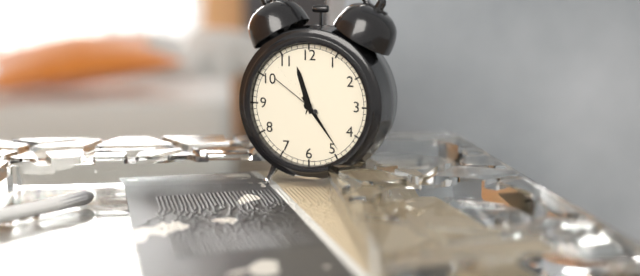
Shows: 11h24m51s
